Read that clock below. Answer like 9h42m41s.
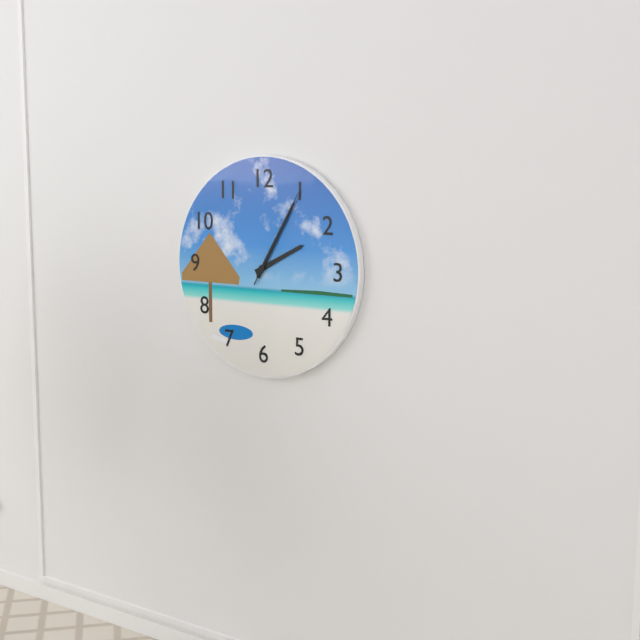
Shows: 2h05m05s
